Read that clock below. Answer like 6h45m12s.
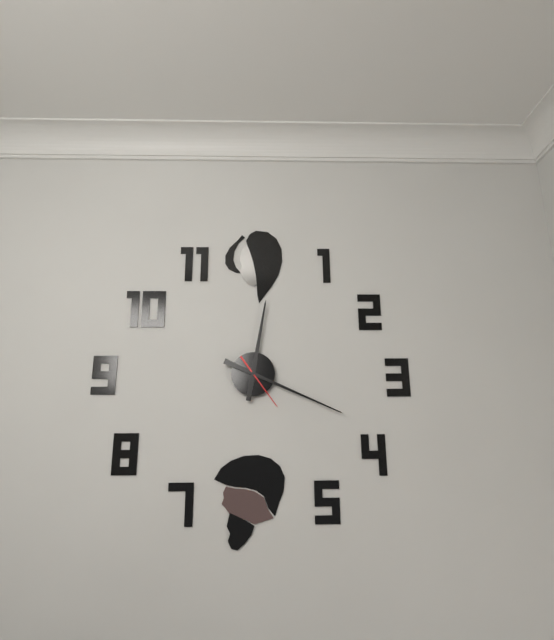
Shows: 12h19m24s
